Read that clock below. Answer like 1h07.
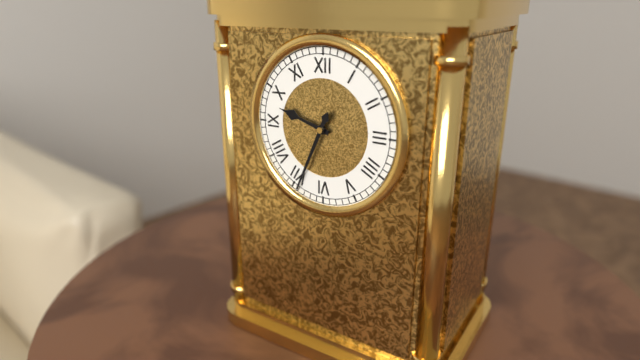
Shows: 9h34
